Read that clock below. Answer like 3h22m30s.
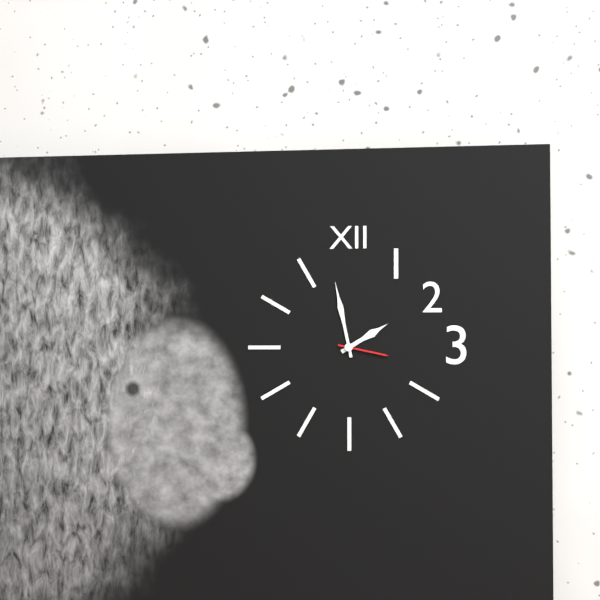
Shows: 1h58m17s
